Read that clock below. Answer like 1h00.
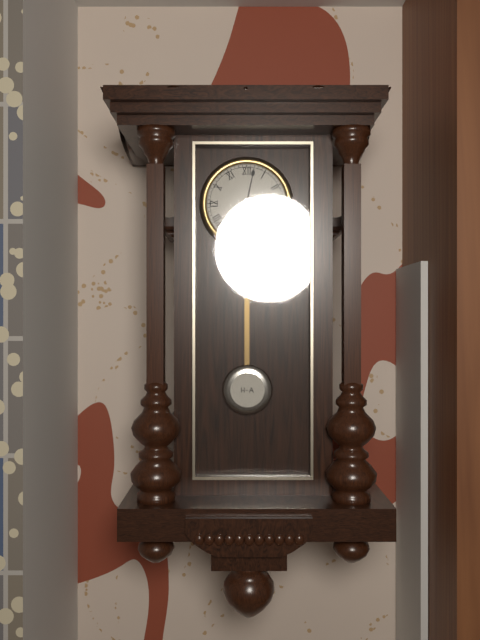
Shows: 7h02
